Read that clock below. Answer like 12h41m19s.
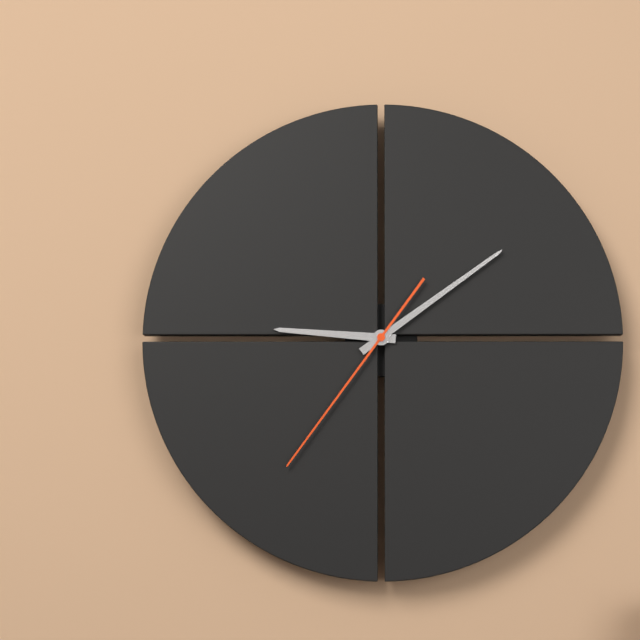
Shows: 9h09m36s
